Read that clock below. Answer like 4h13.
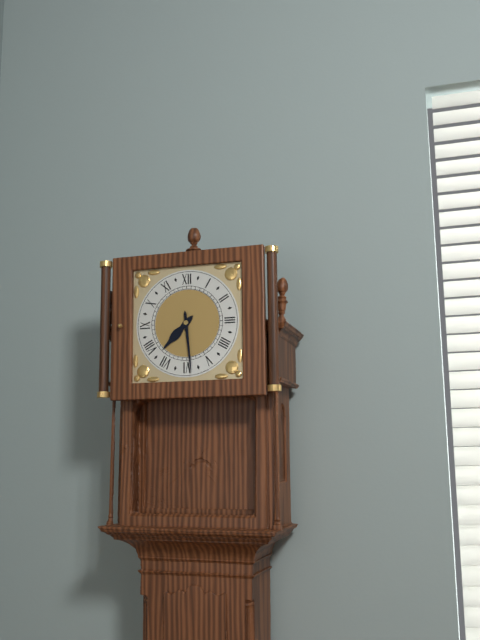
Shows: 7h29
